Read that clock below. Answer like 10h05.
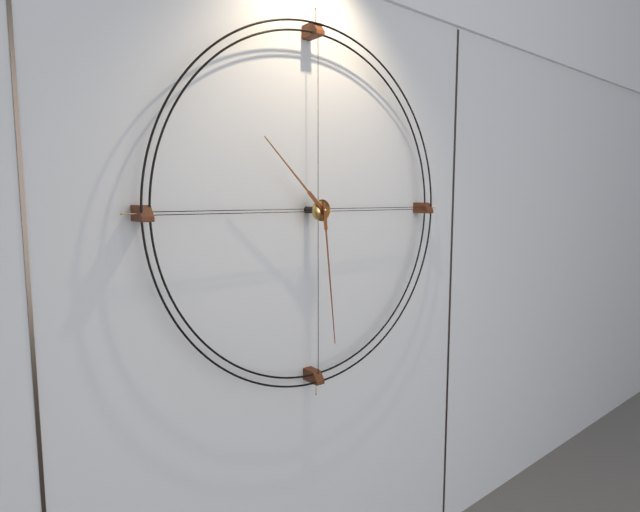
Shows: 10h29
